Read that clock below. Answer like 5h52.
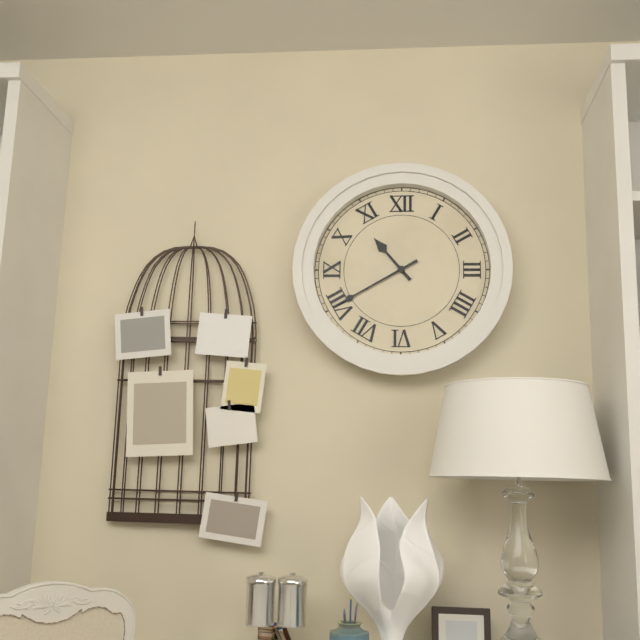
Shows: 10h40
